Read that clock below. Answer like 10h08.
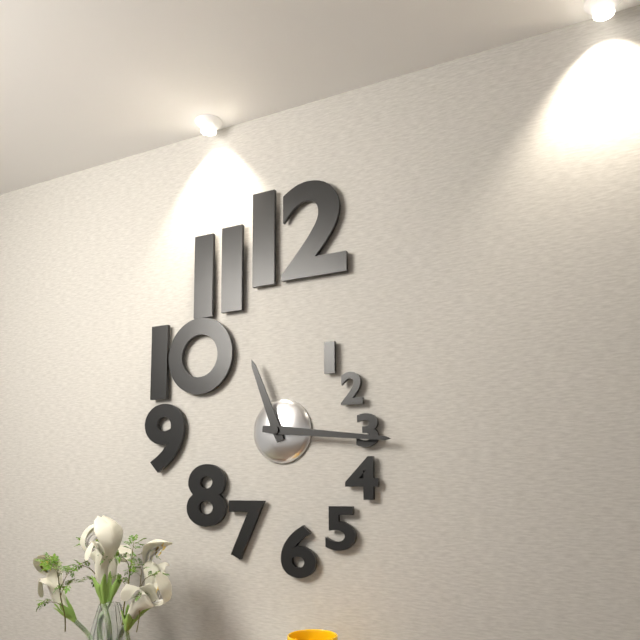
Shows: 11h16
